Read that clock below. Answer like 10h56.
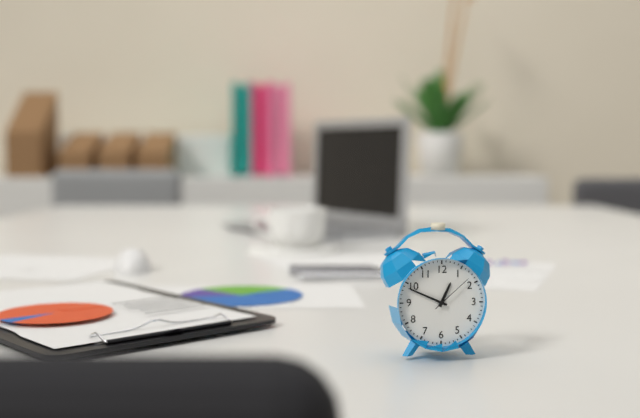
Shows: 12h49
